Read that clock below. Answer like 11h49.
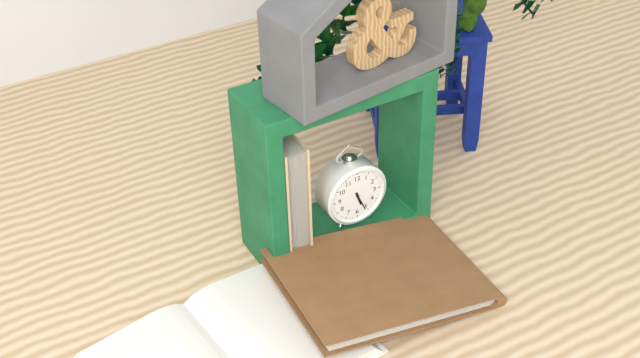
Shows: 5h26
